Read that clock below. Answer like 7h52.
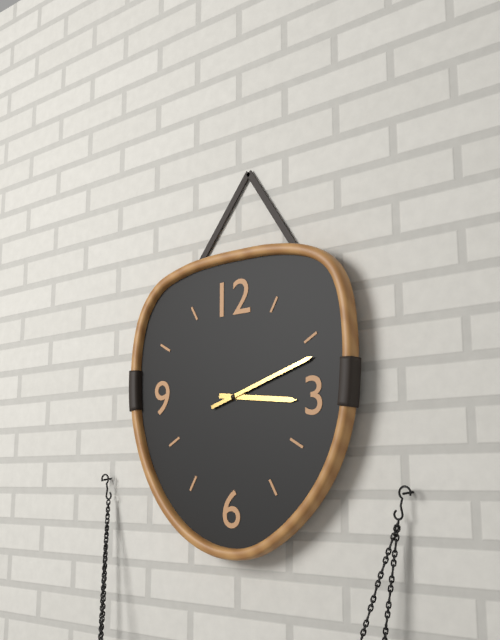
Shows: 3h12
